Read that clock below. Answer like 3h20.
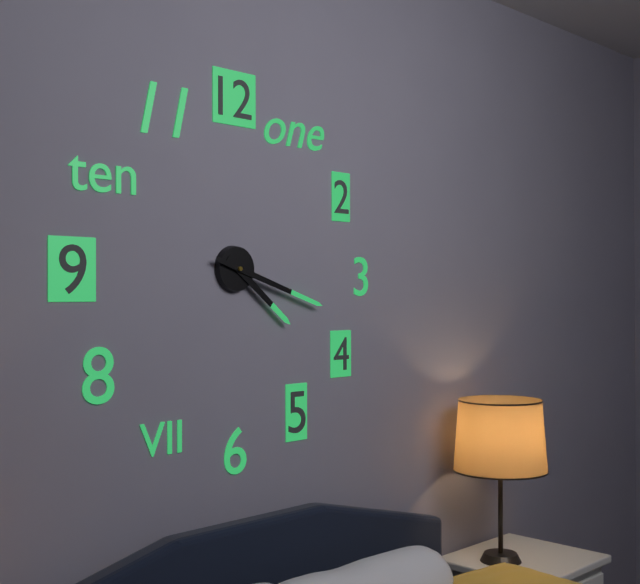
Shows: 4h18
